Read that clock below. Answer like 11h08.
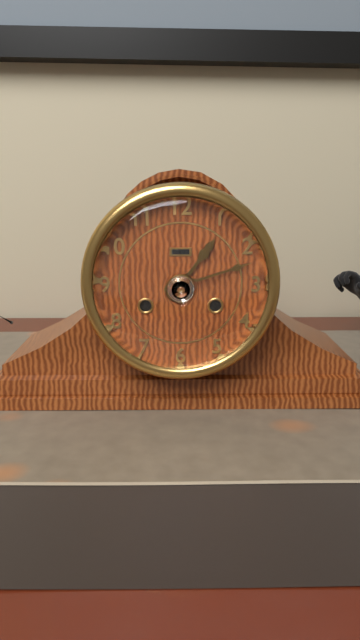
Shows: 1h12
